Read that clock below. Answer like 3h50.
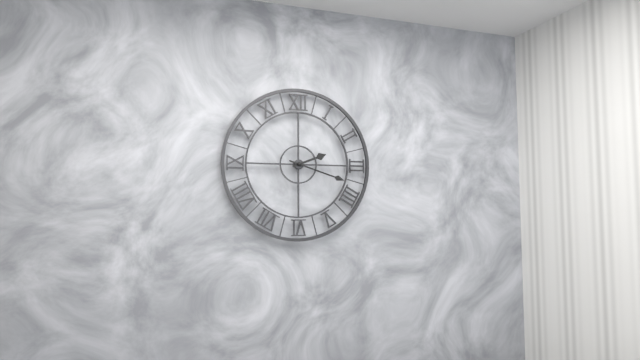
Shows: 2h18
